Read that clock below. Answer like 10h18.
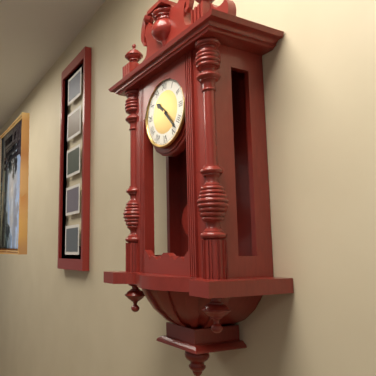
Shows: 10h23
